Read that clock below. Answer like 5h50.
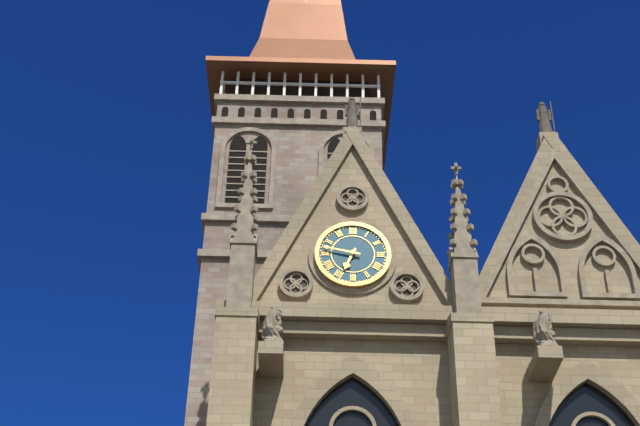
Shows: 6h47
